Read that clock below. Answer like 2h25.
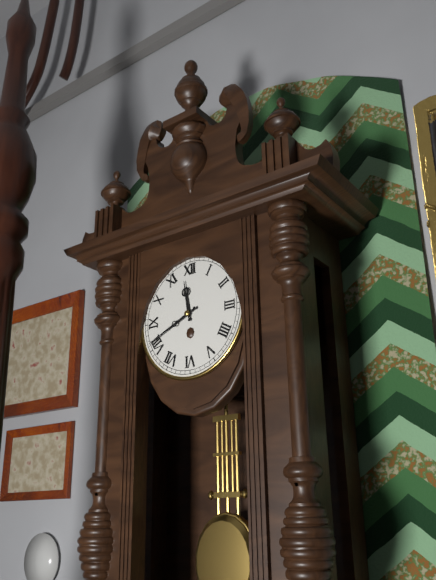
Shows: 11h41
